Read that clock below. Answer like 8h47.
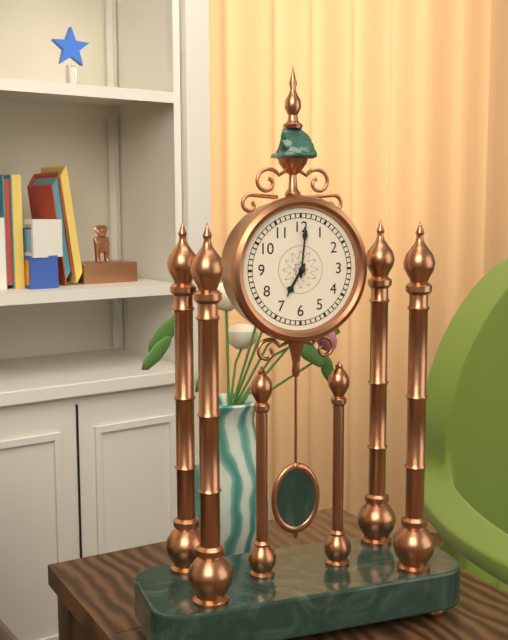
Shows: 7h01
